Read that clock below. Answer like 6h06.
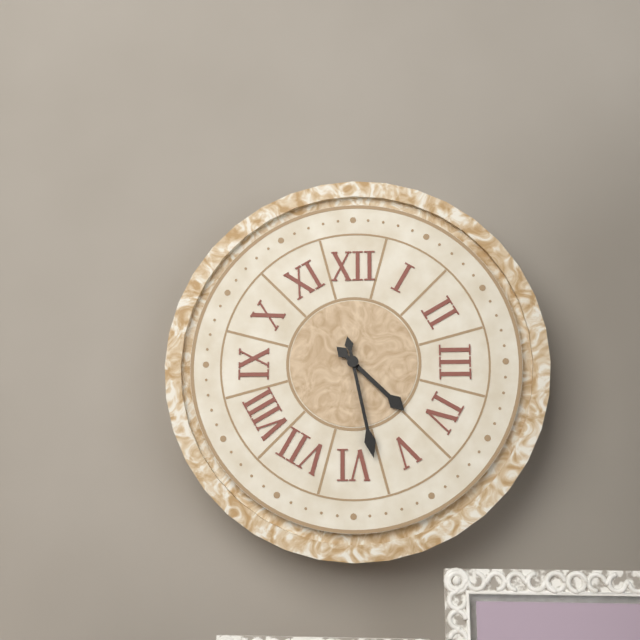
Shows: 4h28
